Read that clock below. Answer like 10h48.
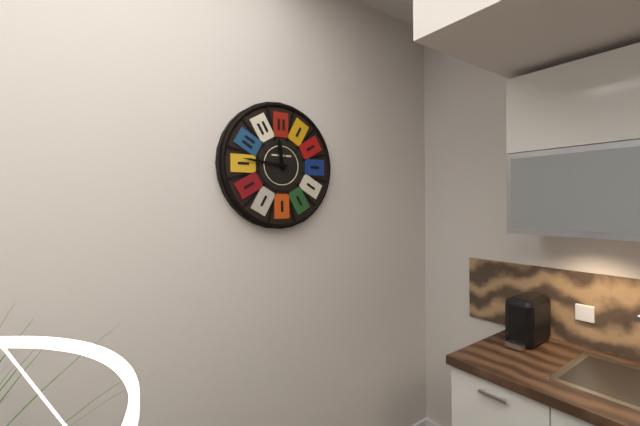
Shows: 11h46
